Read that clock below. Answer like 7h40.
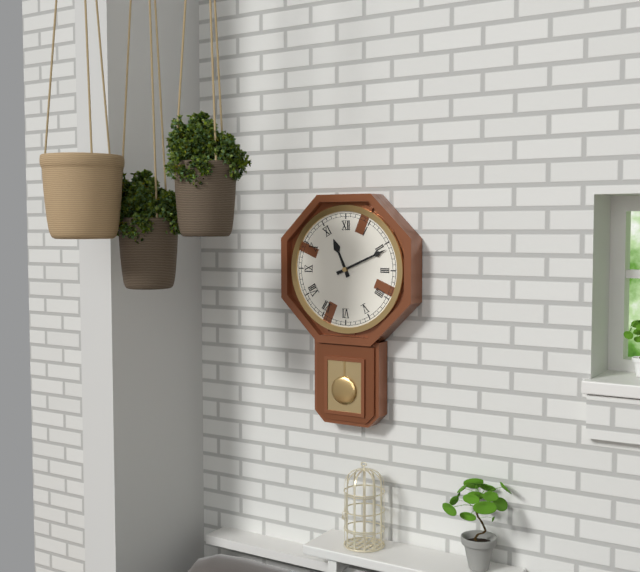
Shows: 11h11
